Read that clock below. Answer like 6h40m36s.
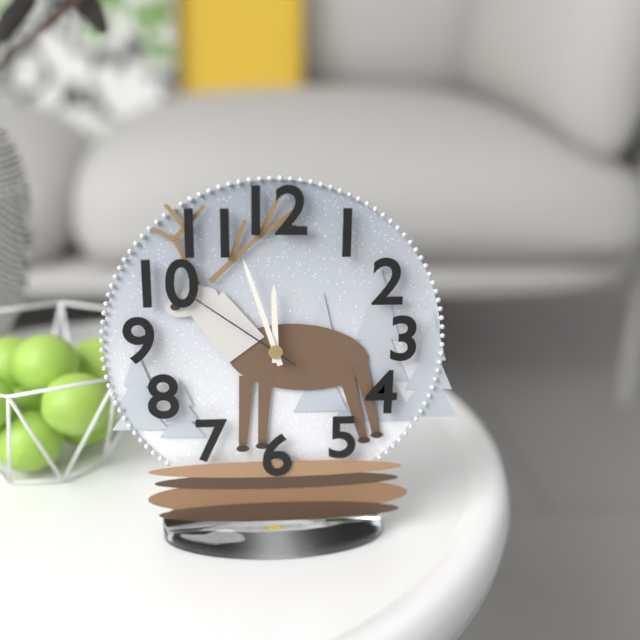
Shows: 11h57m51s
